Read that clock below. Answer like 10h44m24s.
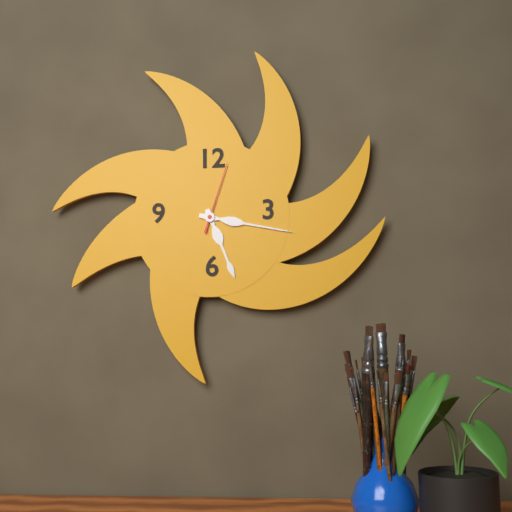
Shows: 5h17m03s
